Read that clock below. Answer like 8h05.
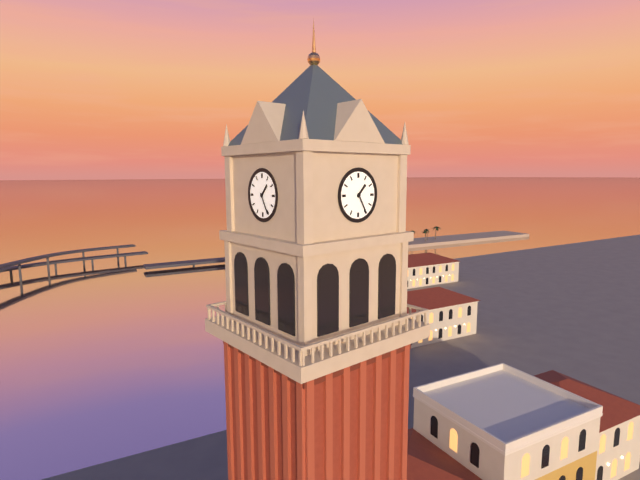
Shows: 1h25
